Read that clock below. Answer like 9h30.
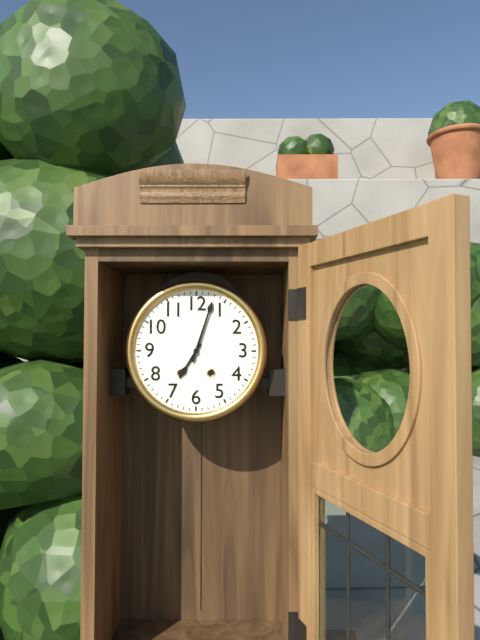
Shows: 7h03
